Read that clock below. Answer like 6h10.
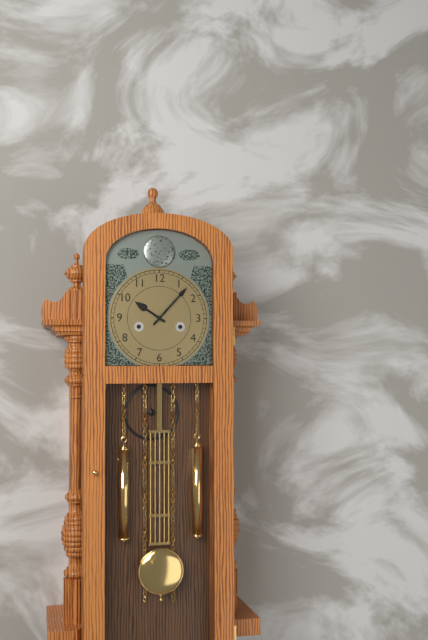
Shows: 10h07
